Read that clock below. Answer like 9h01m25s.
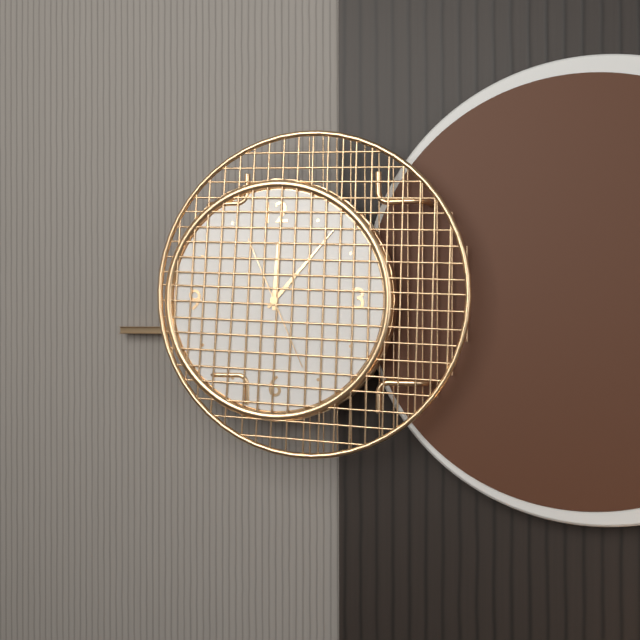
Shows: 12h07m26s
